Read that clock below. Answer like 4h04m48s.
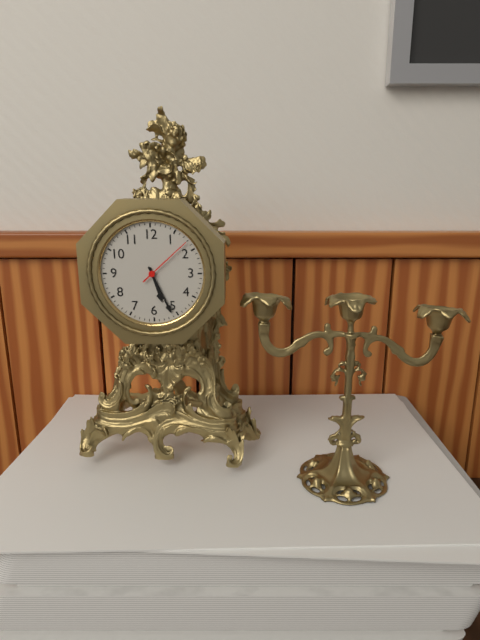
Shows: 5h26m08s
